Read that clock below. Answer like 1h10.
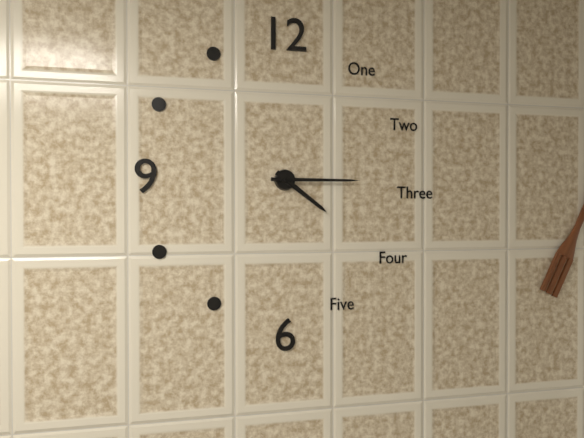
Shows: 4h15
